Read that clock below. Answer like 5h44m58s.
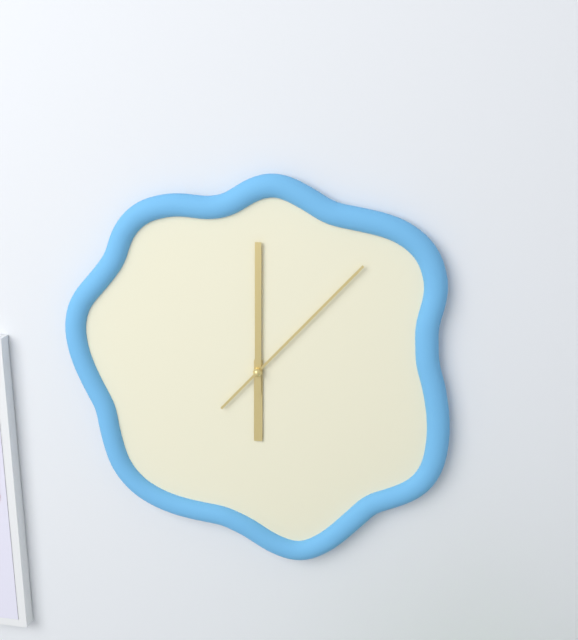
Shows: 6h00m07s
